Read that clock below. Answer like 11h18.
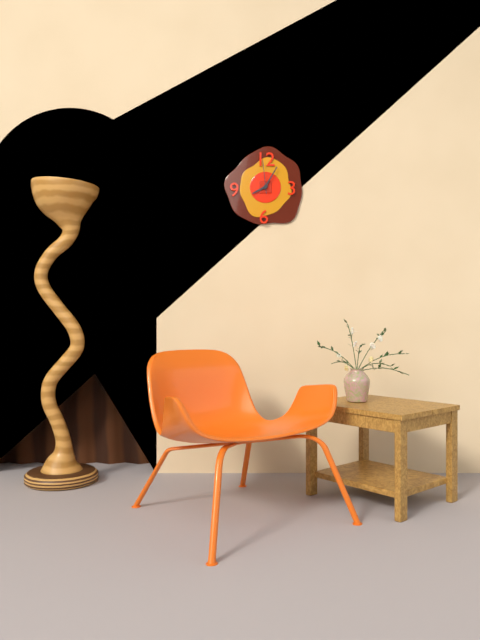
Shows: 8h05
